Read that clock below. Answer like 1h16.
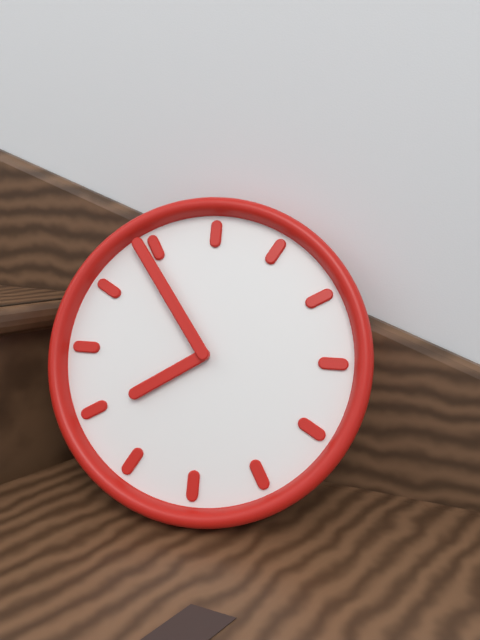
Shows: 7h54
